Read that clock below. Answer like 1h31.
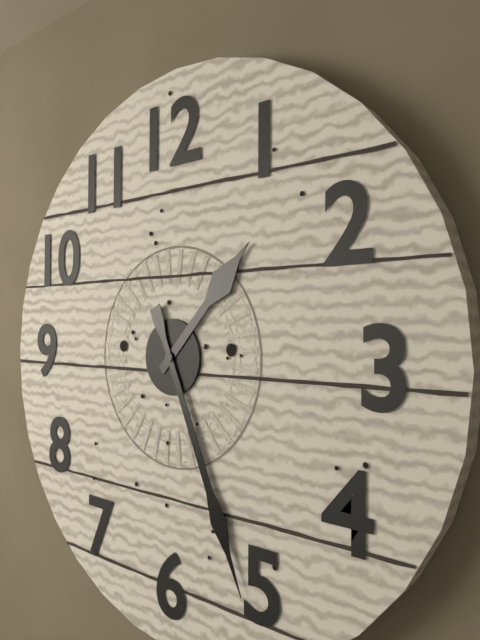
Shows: 1h26
